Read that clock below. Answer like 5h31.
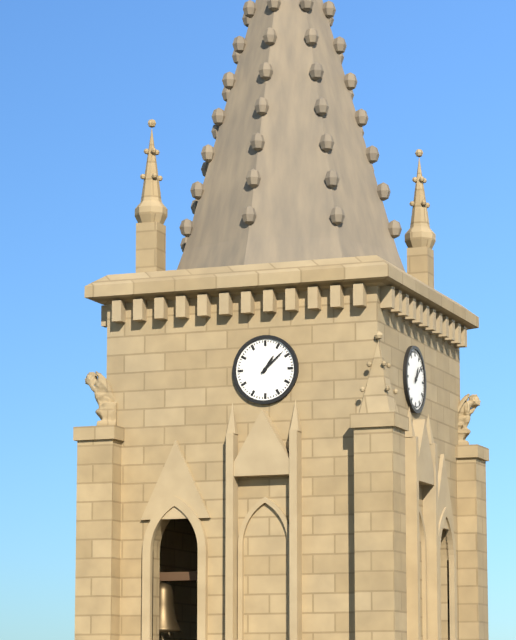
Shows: 1h08
